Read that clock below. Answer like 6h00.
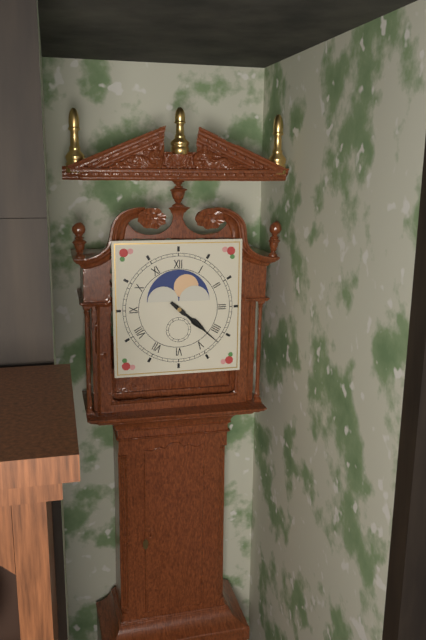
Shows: 4h22
